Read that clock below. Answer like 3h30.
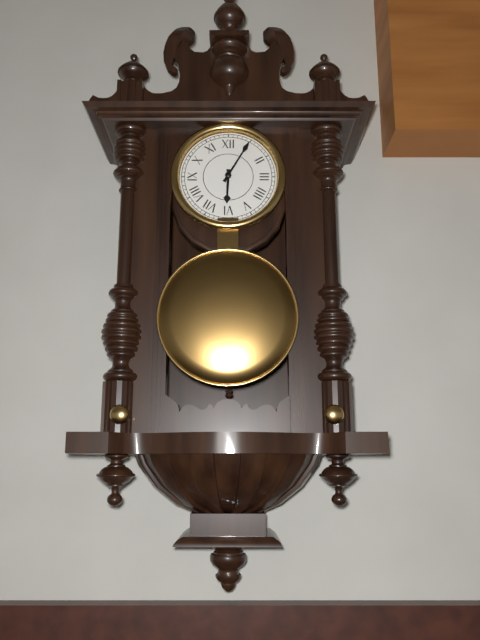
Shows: 6h05
